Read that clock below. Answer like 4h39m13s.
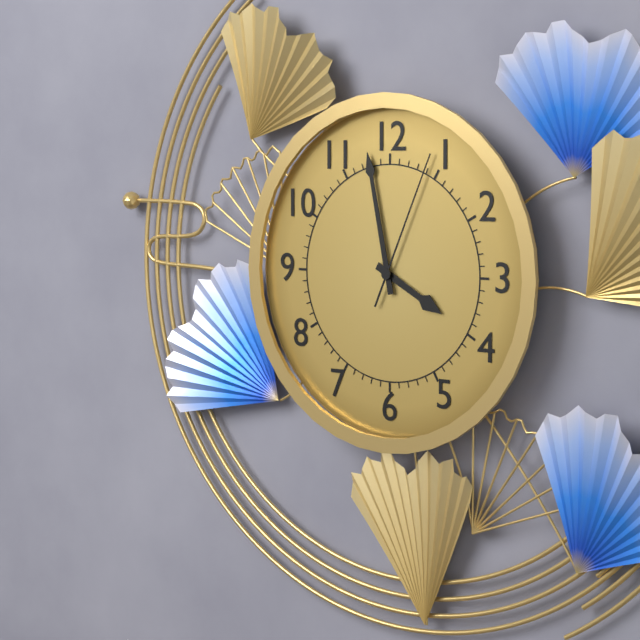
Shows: 3h58m04s
